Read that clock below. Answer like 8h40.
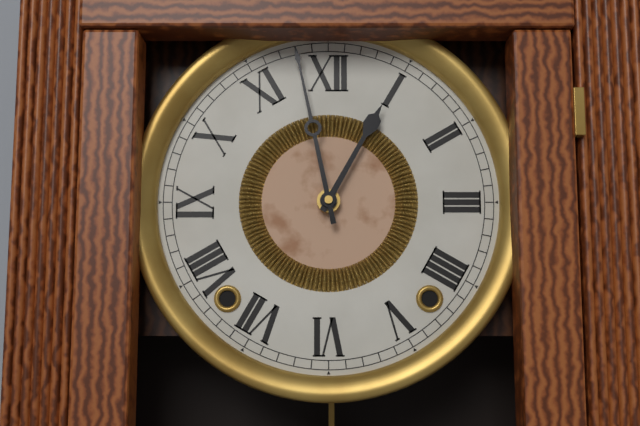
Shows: 12h58
